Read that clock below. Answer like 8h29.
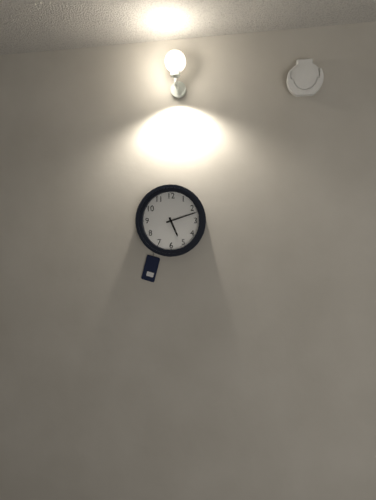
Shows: 5h12
